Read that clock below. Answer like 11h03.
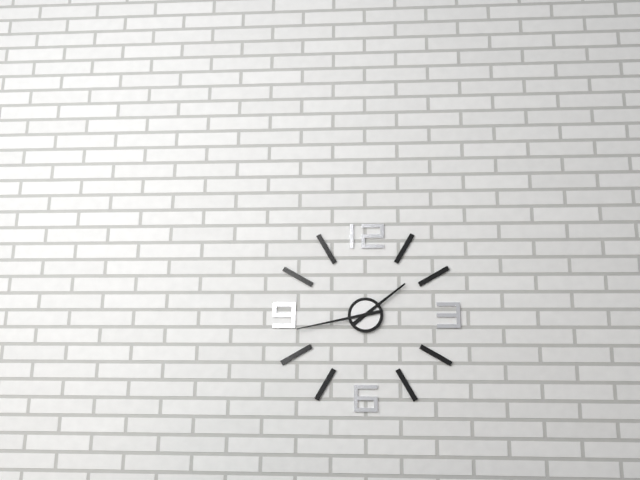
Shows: 1h43
